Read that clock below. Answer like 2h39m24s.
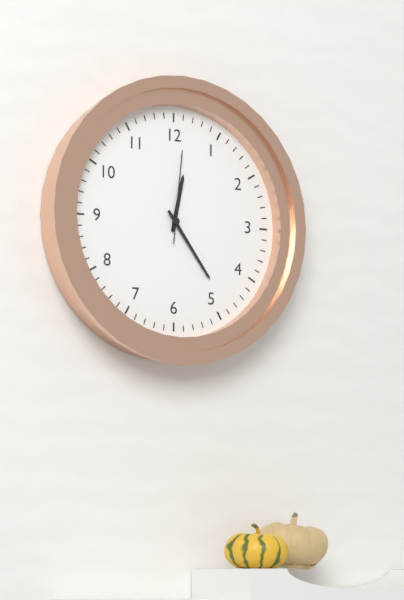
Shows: 12h24m01s
